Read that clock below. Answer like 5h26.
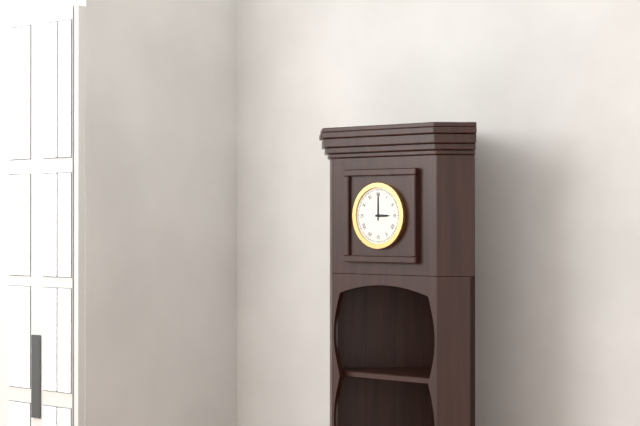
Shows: 3h00
